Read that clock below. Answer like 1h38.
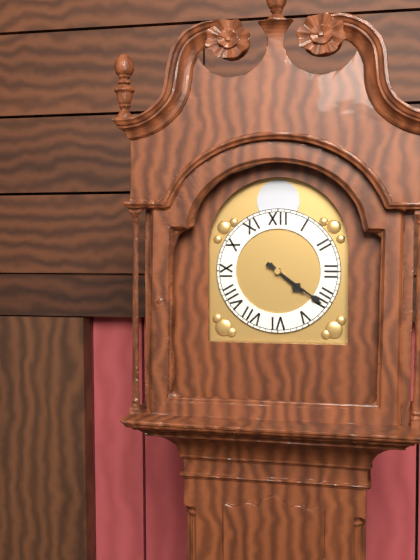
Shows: 4h21
